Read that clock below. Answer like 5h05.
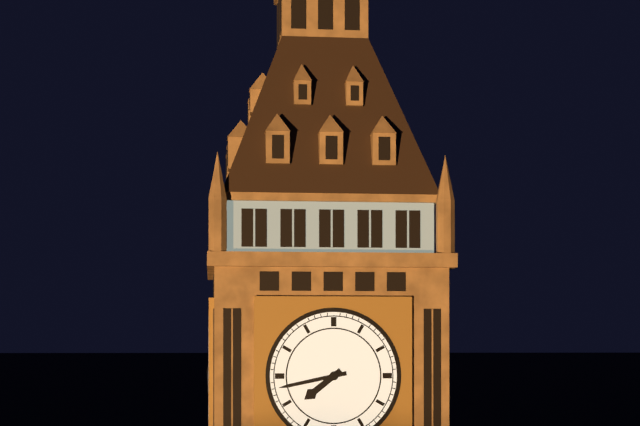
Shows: 7h43
